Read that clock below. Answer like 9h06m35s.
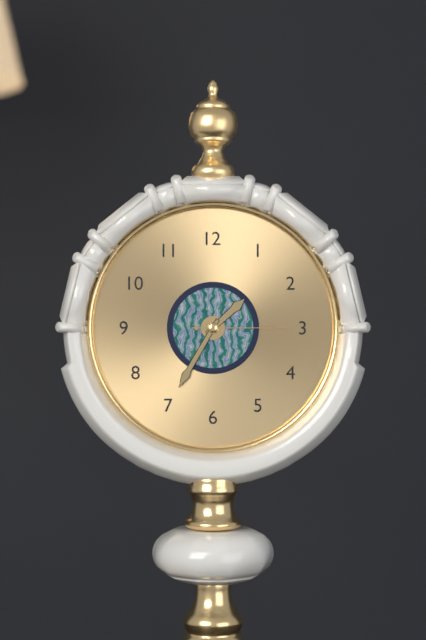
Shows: 1h35m15s
